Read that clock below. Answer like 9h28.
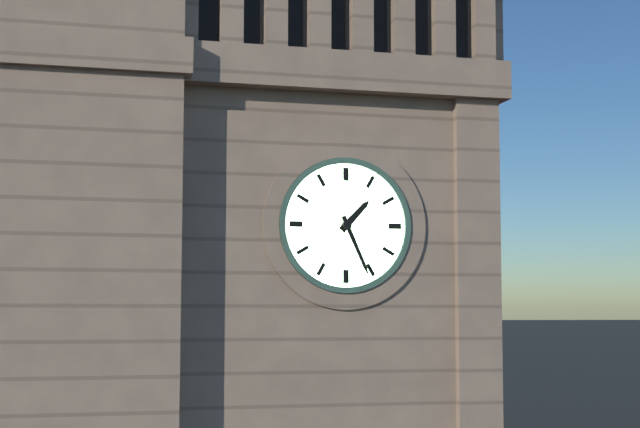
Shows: 1h26
